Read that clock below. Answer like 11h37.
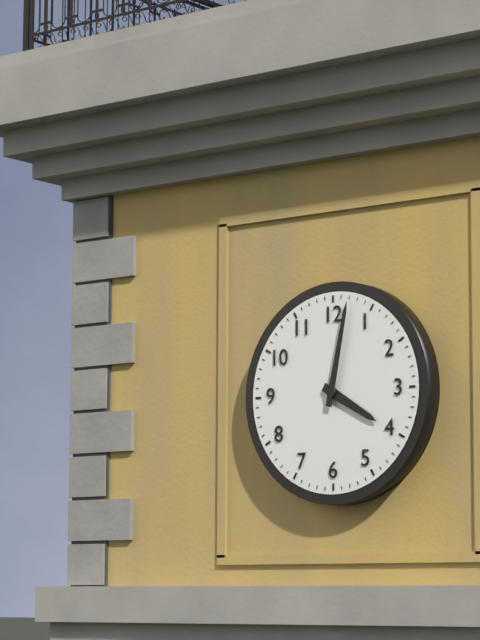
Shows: 4h02
